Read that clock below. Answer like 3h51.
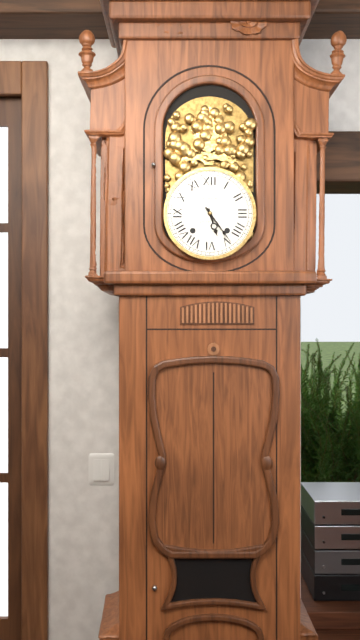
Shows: 5h24
